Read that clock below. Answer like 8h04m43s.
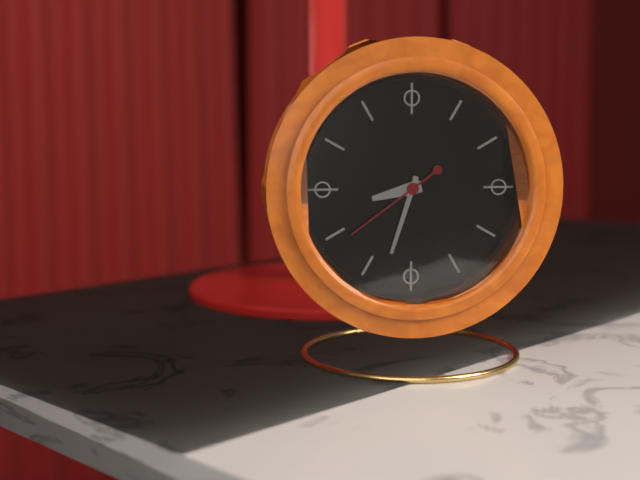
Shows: 8h33m39s
